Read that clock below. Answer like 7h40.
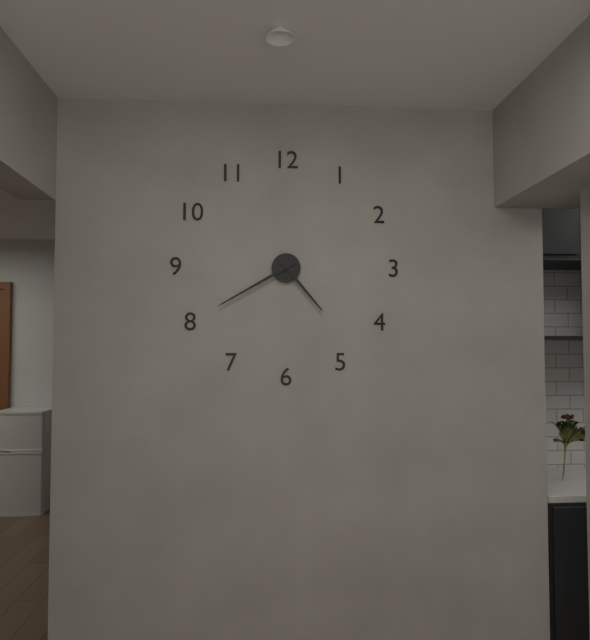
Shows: 4h40
